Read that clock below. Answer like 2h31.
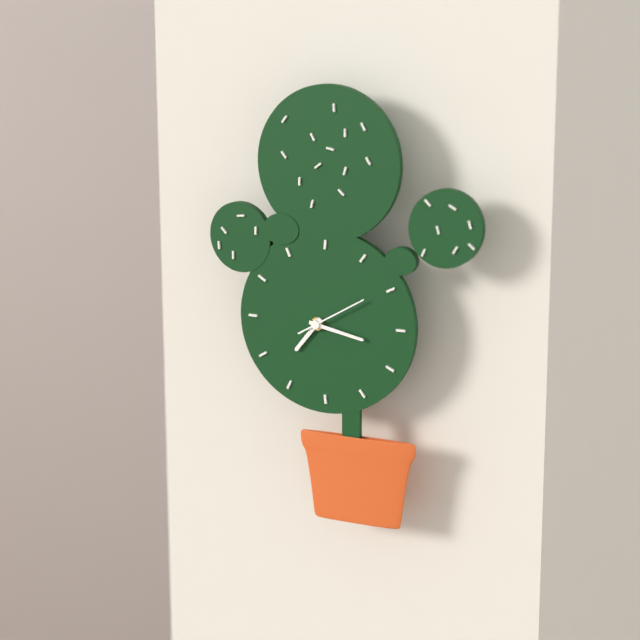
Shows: 7h17
